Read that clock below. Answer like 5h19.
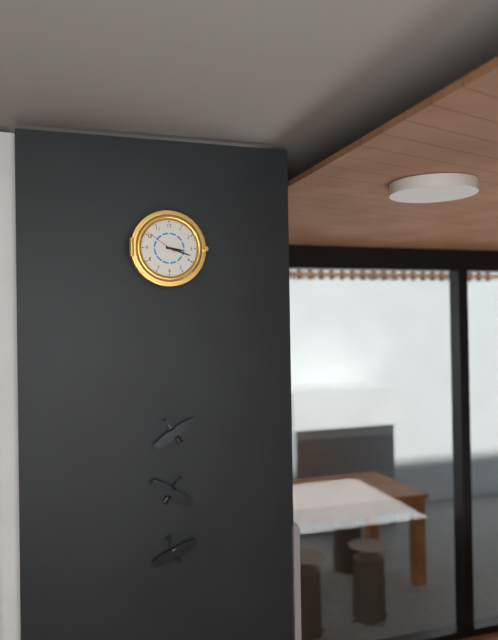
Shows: 3h18
